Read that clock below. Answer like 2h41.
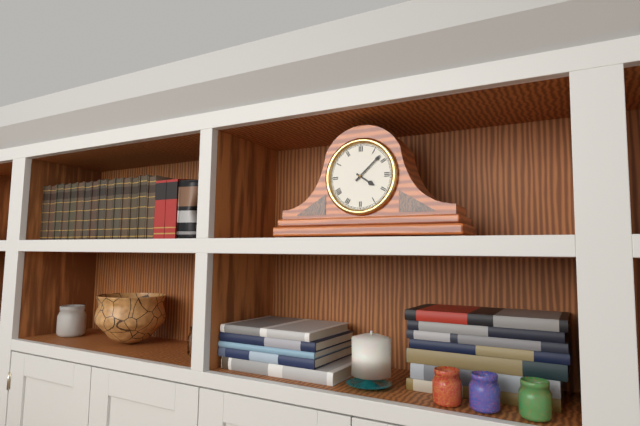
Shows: 4h08
